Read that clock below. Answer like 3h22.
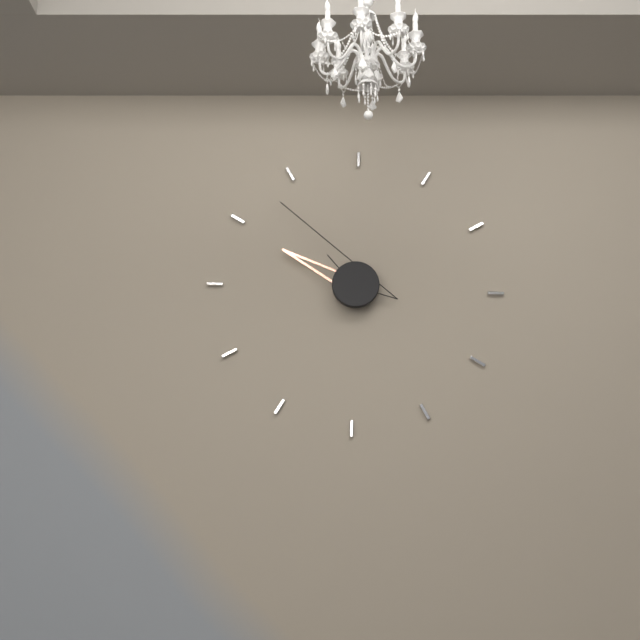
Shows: 9h53
